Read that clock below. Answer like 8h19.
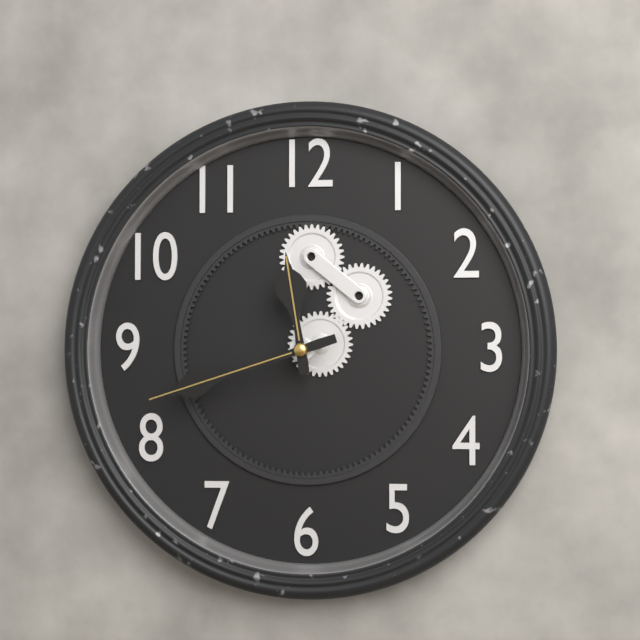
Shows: 11h42
